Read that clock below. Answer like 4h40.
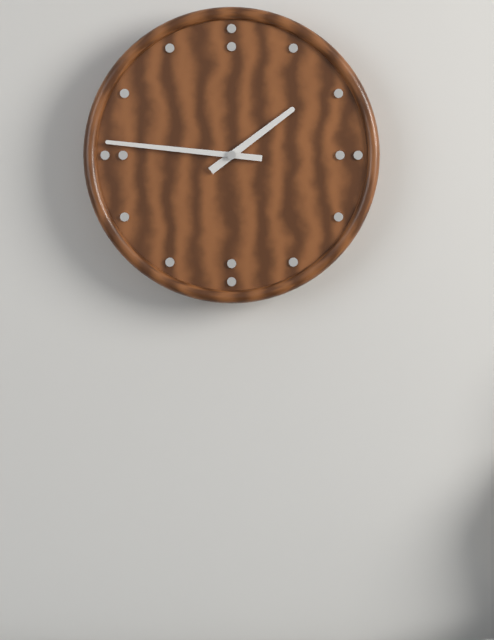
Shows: 1h46
